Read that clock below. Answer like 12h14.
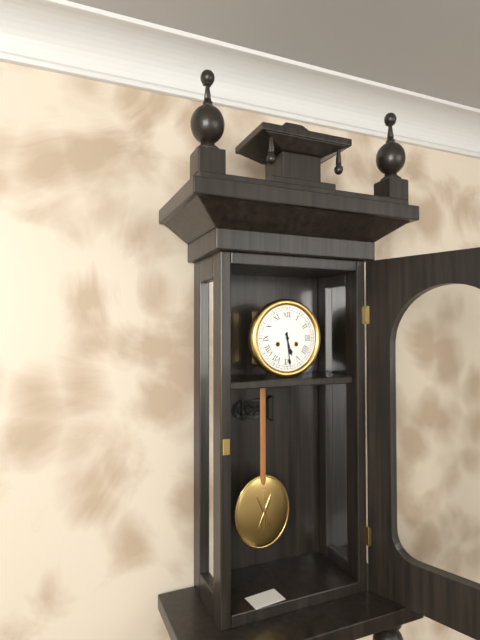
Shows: 5h29
